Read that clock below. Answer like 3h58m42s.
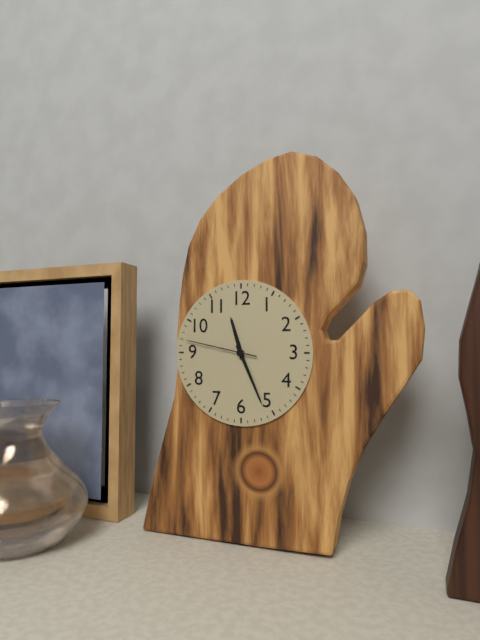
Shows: 11h26m47s
